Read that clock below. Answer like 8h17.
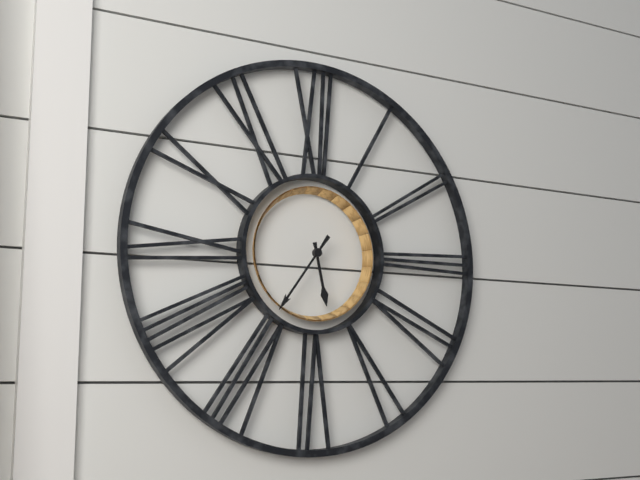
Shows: 5h36
